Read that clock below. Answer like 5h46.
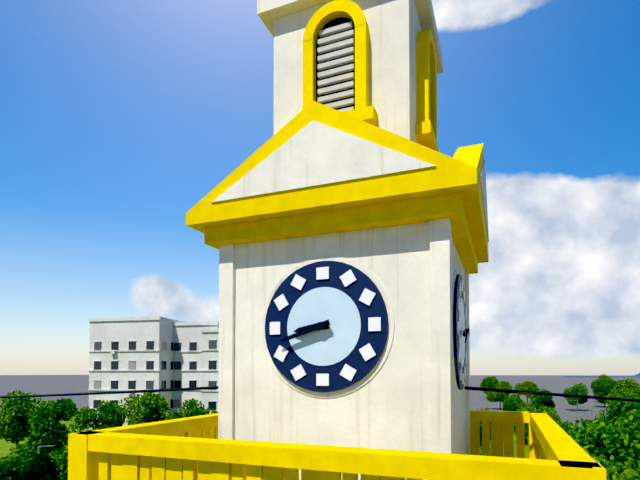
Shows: 8h42
